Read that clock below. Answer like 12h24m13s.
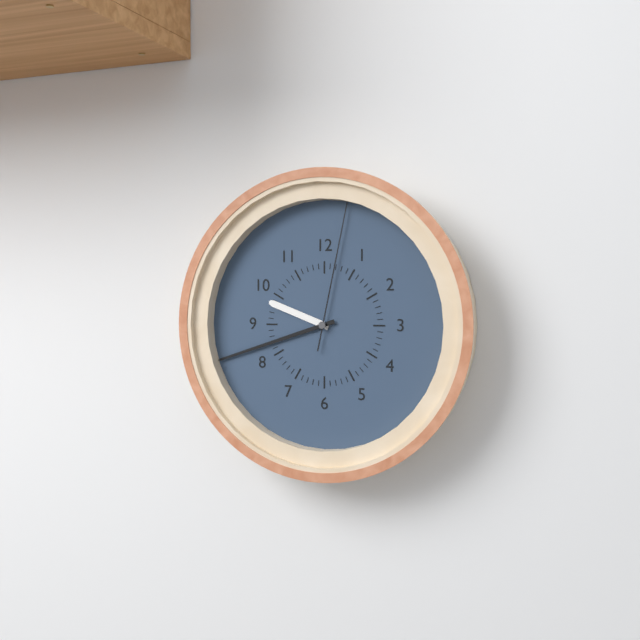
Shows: 9h42m02s
